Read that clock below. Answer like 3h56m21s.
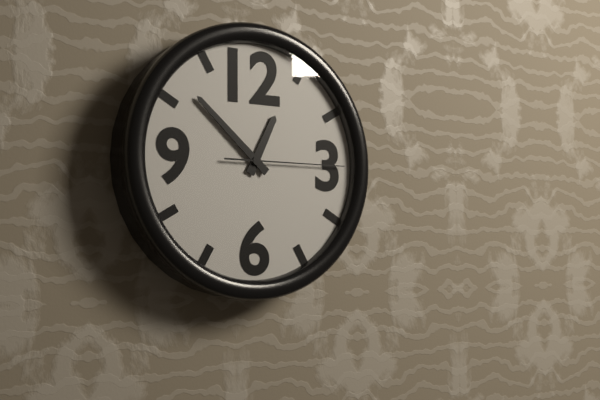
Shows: 12h52m15s
